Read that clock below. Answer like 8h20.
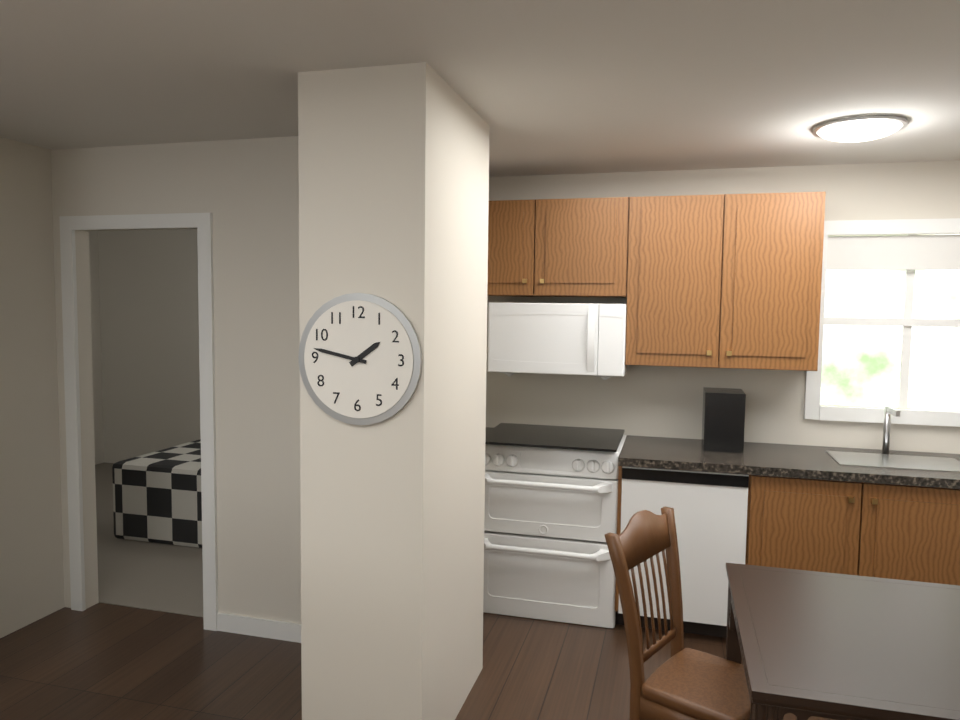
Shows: 1h47
